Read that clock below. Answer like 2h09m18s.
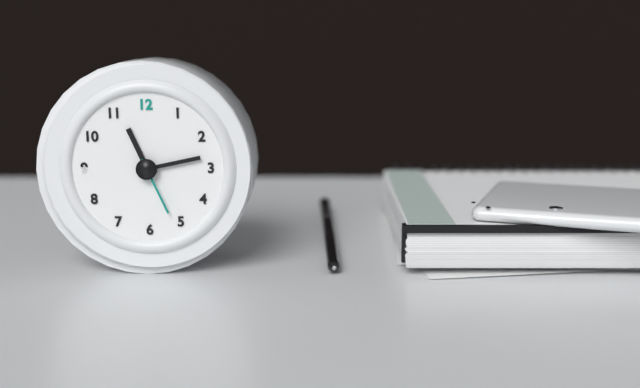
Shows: 11h13m26s
